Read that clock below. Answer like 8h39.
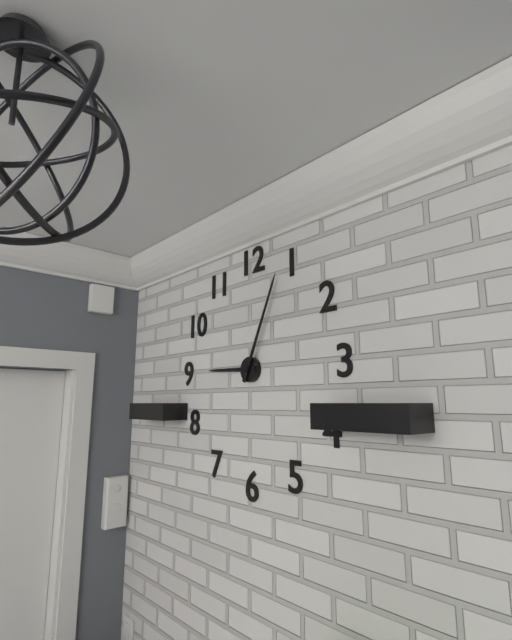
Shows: 9h04
